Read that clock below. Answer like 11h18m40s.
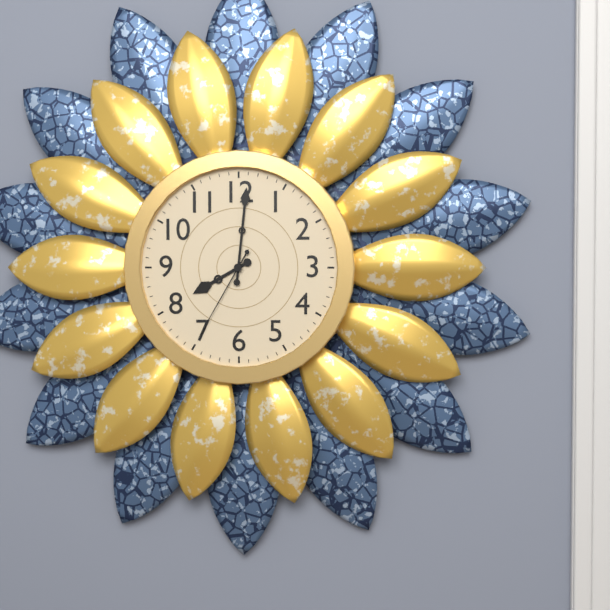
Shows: 8h01m35s
